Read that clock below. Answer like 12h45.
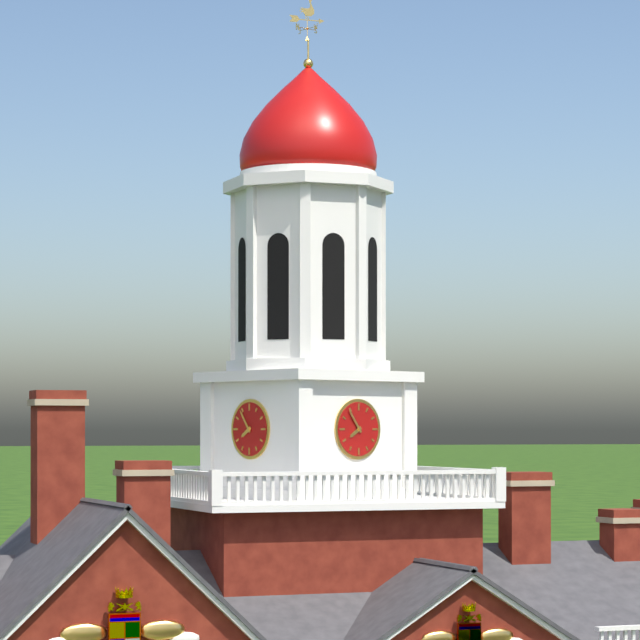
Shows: 7h54
